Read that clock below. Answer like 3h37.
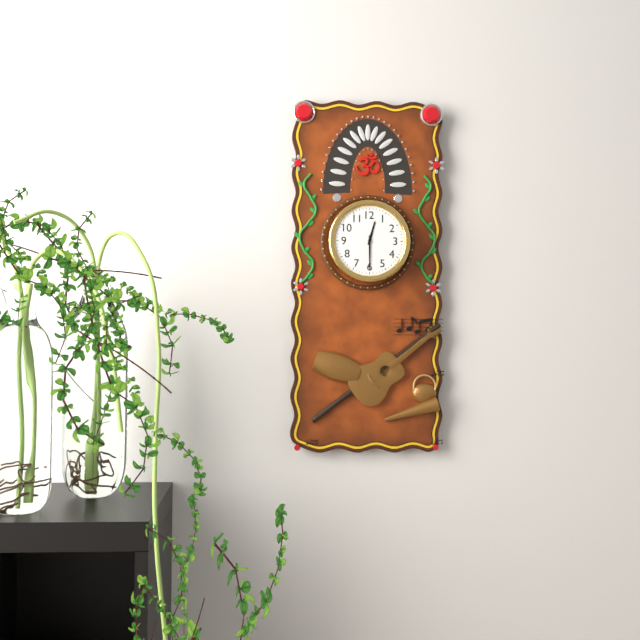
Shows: 12h30
